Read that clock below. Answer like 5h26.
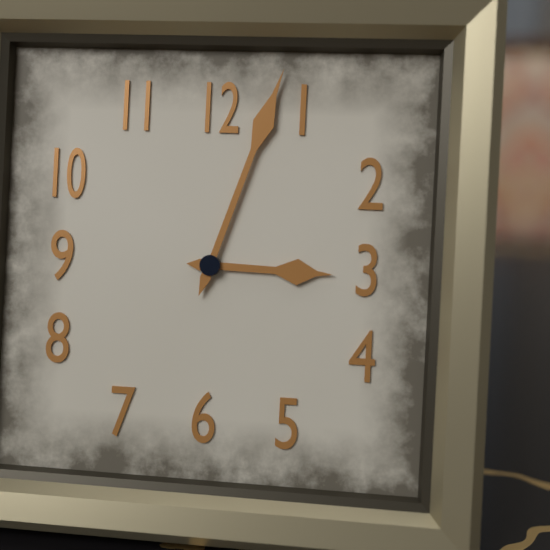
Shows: 3h03
